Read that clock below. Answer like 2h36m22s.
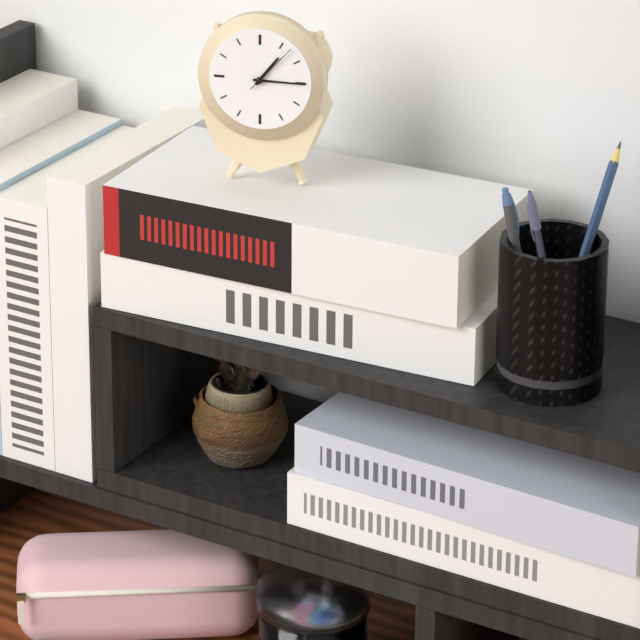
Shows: 1h15m07s
